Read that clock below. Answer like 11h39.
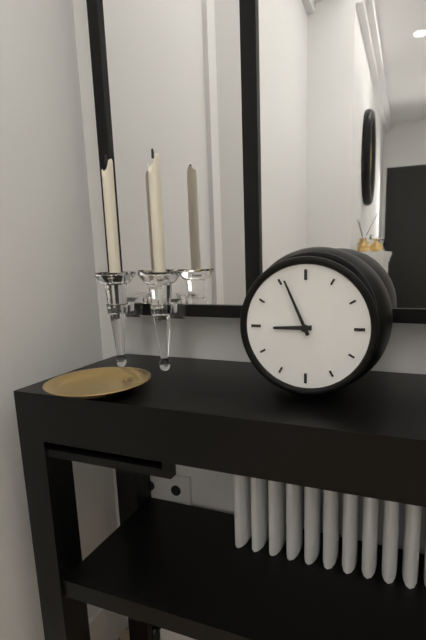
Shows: 8h56
